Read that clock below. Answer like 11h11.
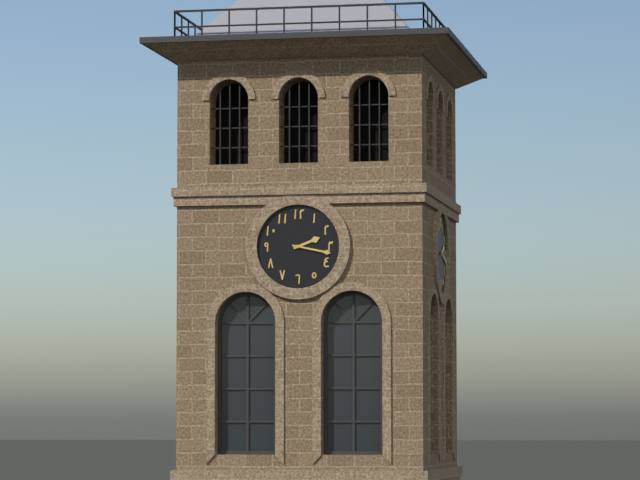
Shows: 2h17
